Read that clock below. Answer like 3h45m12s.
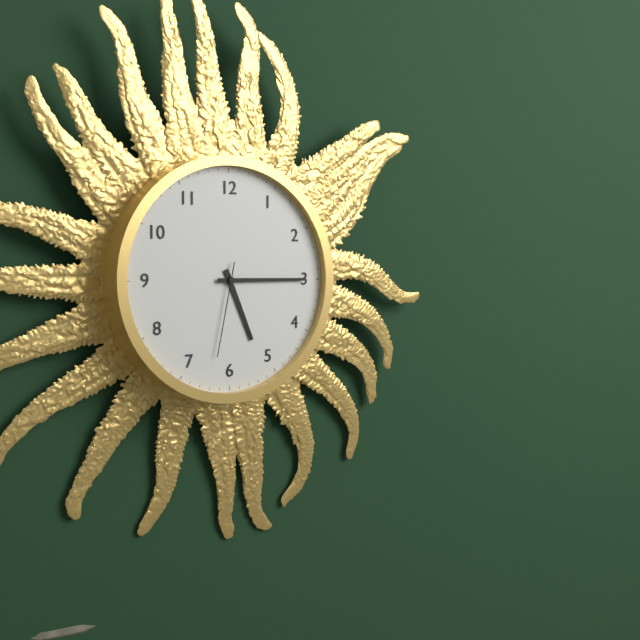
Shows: 5h15m32s
